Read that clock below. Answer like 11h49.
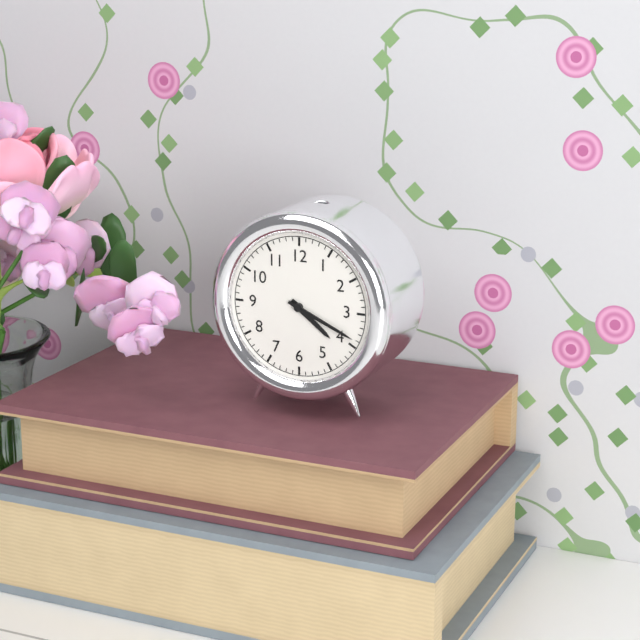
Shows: 4h19
